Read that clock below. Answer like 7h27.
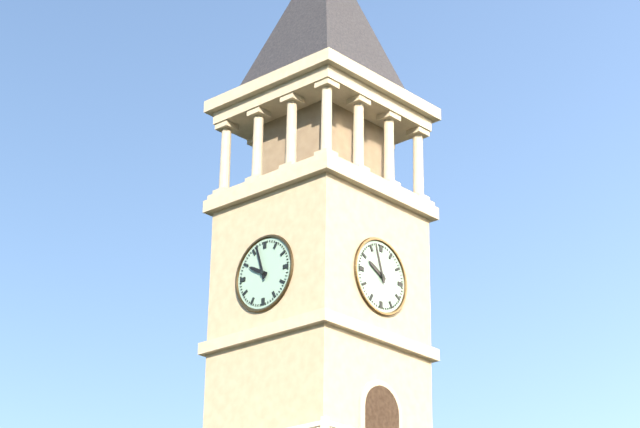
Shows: 9h57
